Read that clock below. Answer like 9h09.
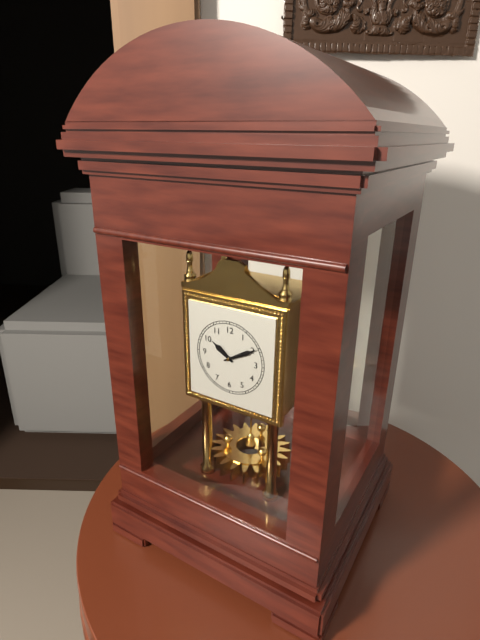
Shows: 10h10
